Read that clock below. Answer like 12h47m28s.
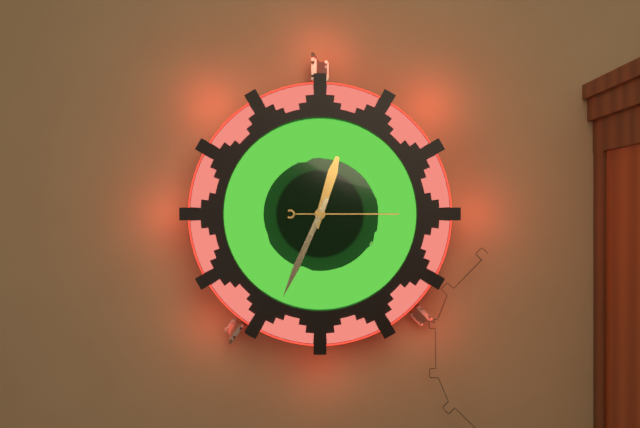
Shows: 12h34m15s
